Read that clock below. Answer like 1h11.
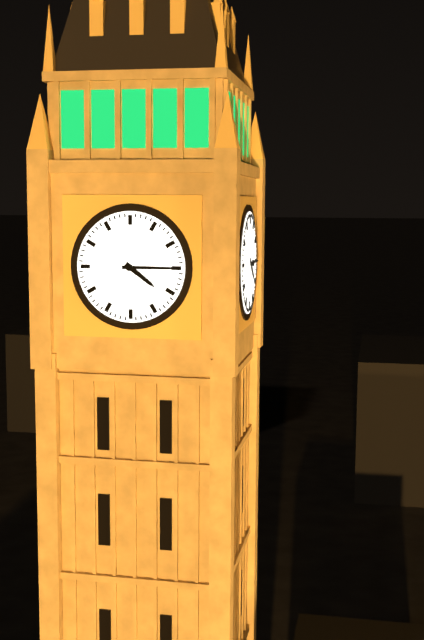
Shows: 4h15
